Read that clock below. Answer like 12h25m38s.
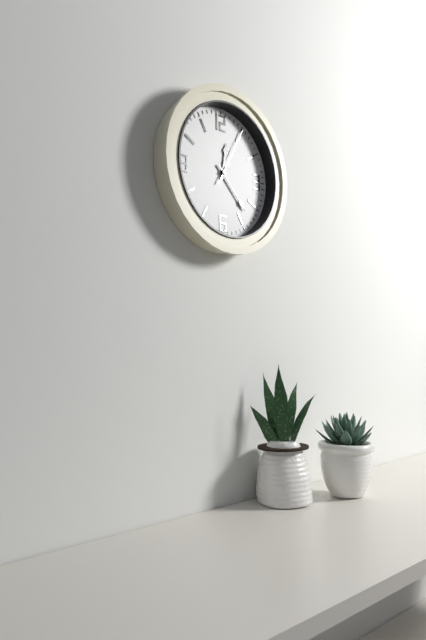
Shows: 12h23m05s
